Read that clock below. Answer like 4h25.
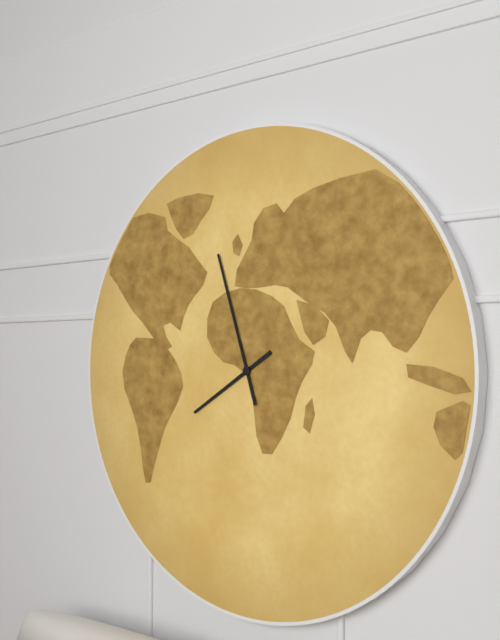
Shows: 7h57
